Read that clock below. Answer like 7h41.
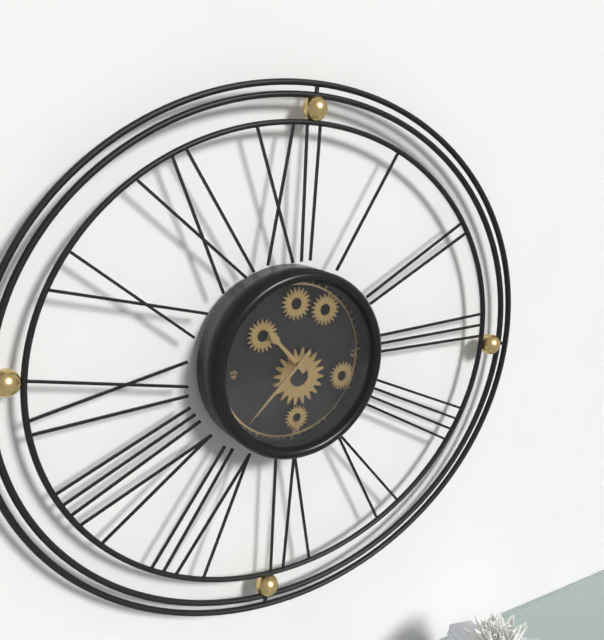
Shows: 10h38
